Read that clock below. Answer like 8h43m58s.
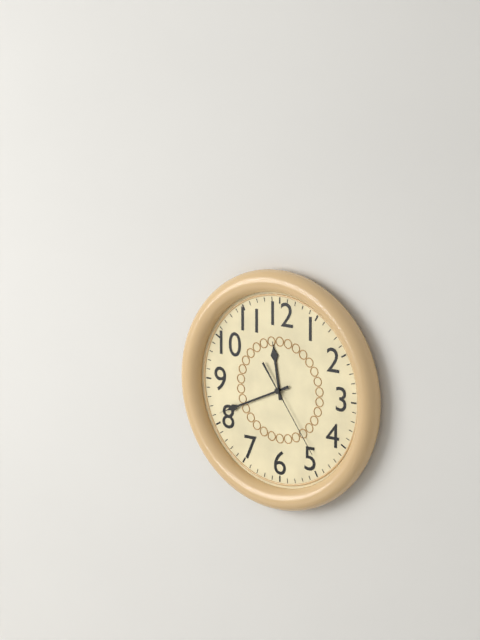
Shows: 11h41m24s
